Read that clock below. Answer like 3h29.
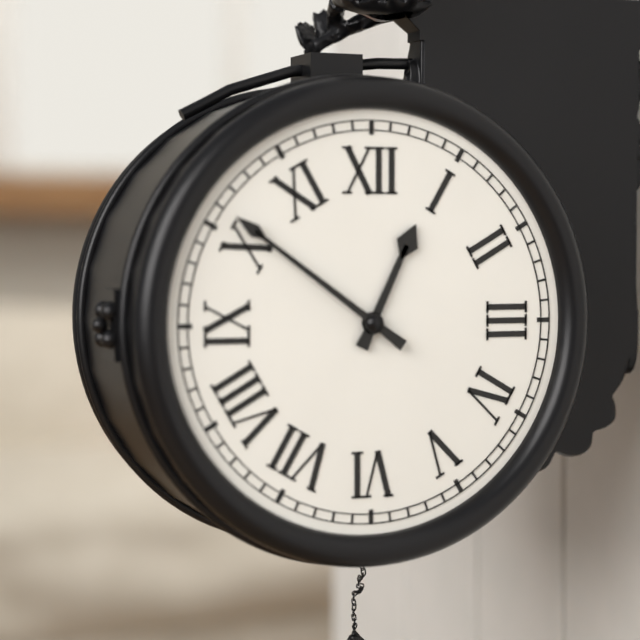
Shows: 12h51
